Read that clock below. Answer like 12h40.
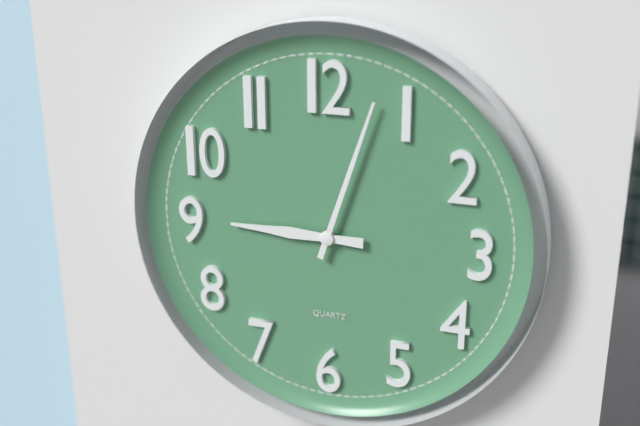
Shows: 9h03
